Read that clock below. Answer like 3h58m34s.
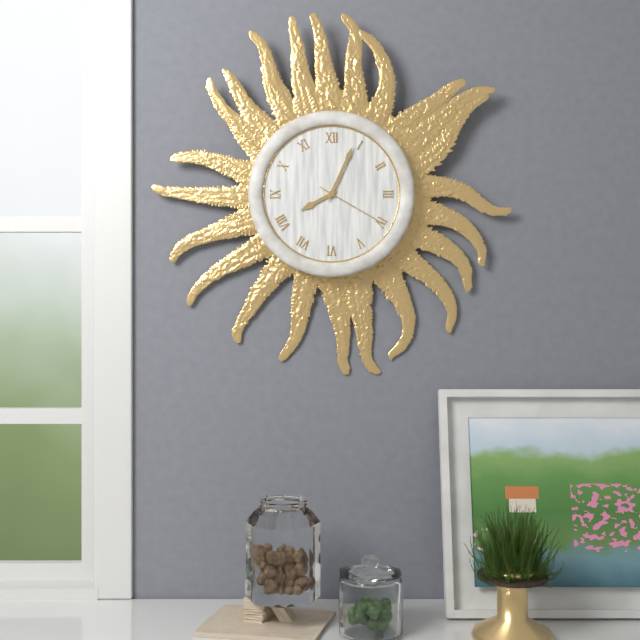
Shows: 8h04m20s
